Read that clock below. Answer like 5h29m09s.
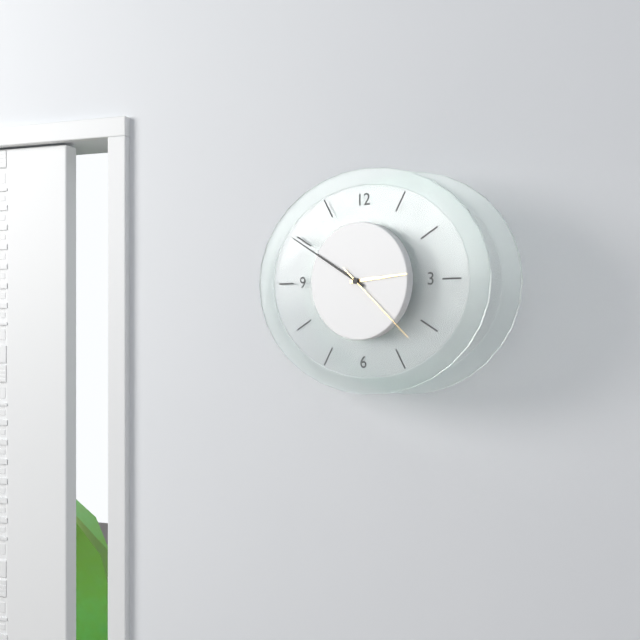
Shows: 2h50m22s
